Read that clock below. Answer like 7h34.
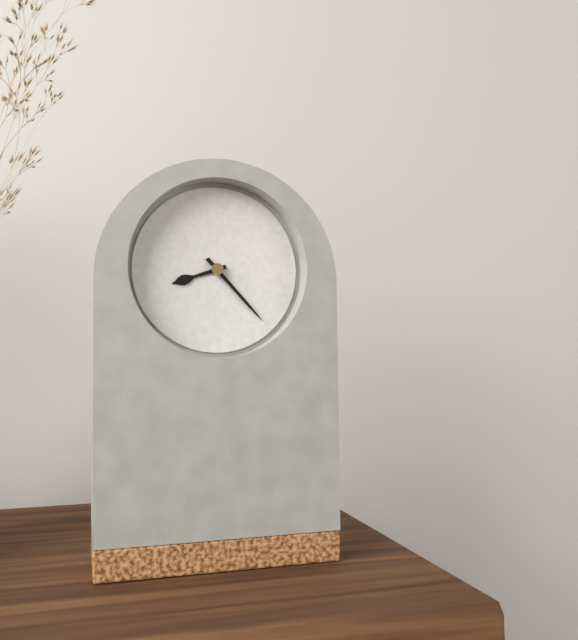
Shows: 8h23
